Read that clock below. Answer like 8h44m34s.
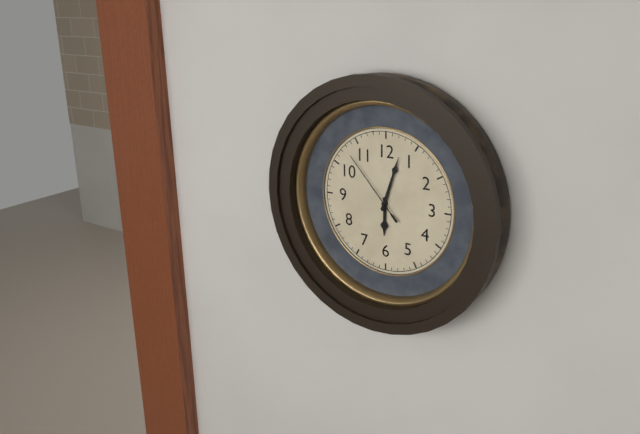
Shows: 6h03m53s
